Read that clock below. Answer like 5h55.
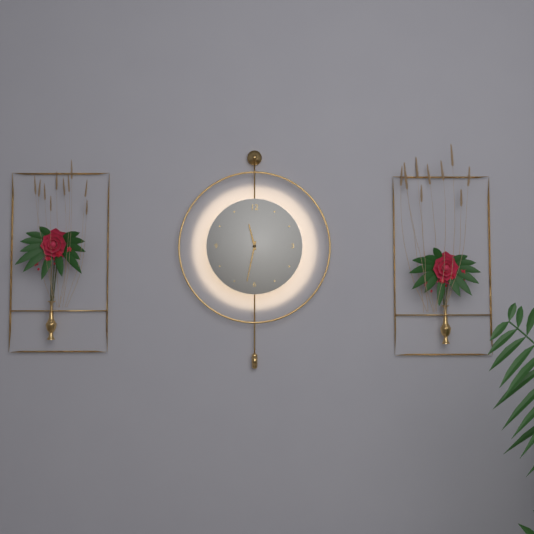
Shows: 11h32
